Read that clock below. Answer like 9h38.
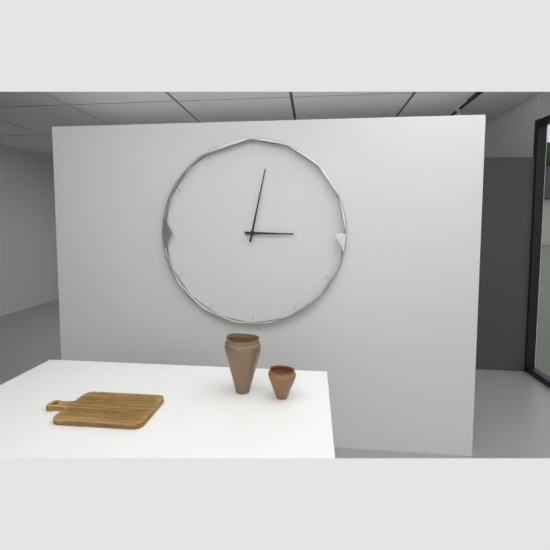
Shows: 3h02
